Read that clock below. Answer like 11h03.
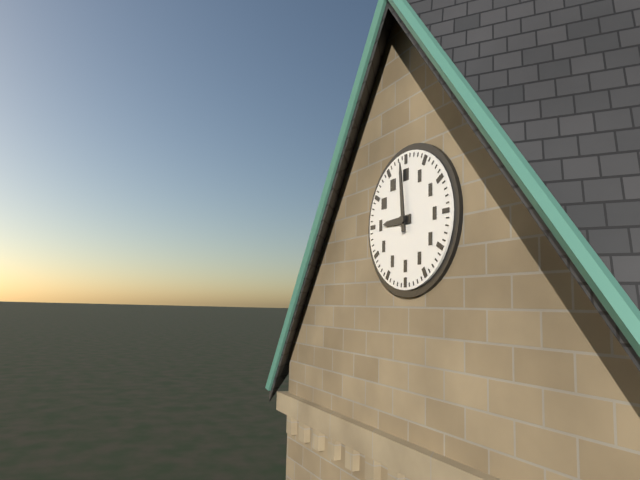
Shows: 8h59
